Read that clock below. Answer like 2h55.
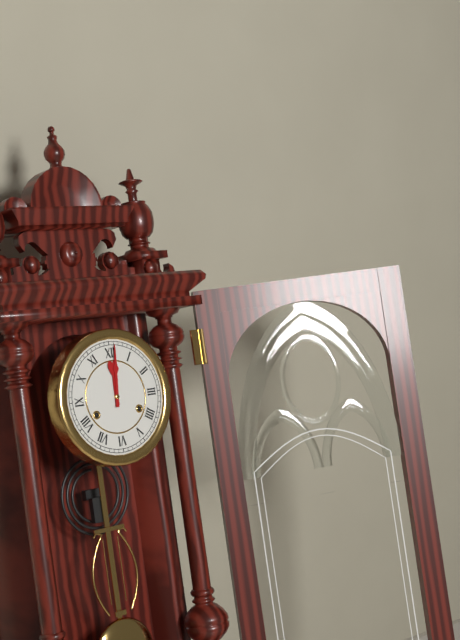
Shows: 12h01
